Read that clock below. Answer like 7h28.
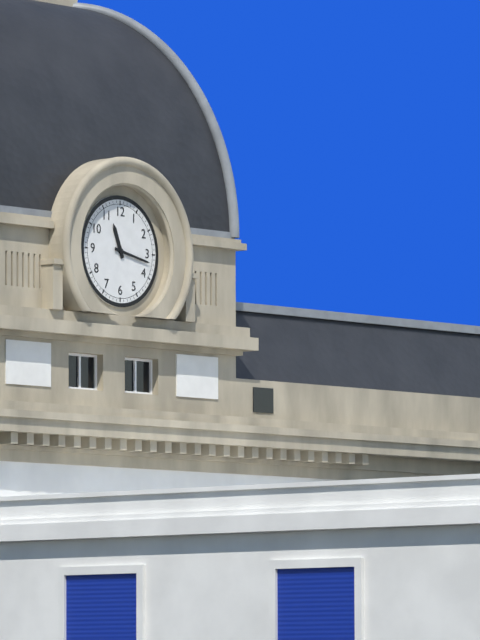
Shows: 11h17
